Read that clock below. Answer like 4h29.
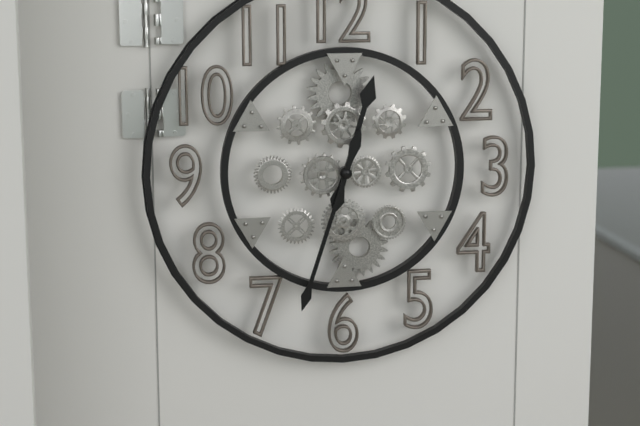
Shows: 12h33
